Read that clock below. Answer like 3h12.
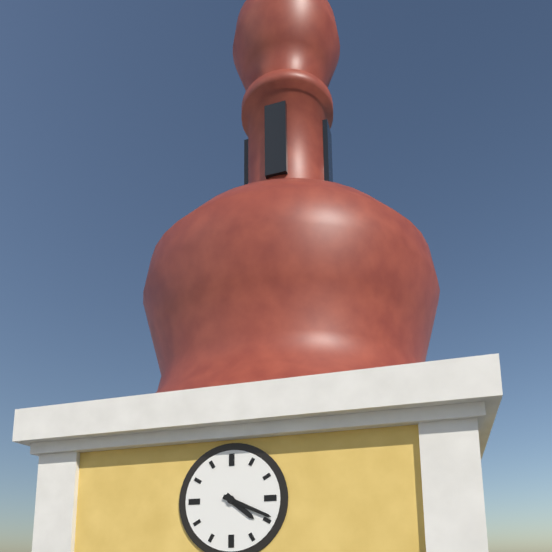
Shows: 4h19
